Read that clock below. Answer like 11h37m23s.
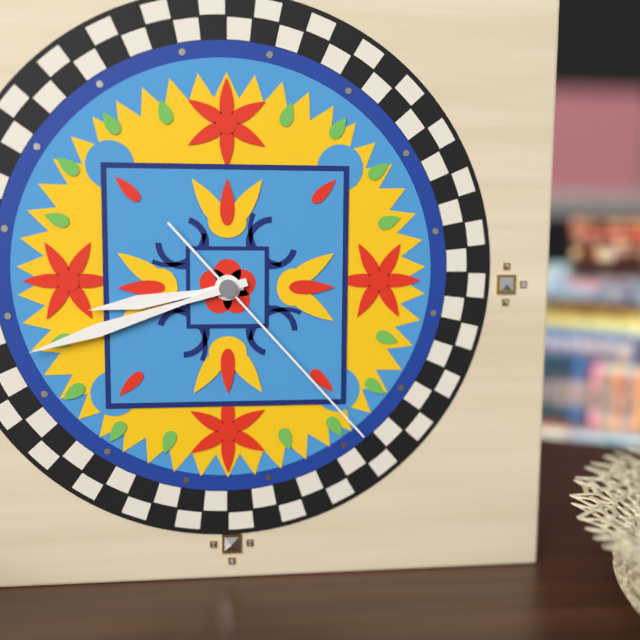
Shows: 8h42m23s
